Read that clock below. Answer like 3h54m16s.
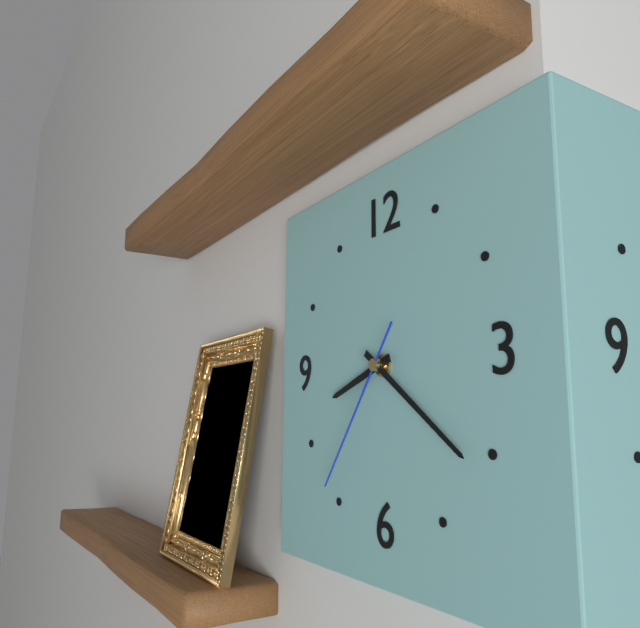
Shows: 8h21m36s
